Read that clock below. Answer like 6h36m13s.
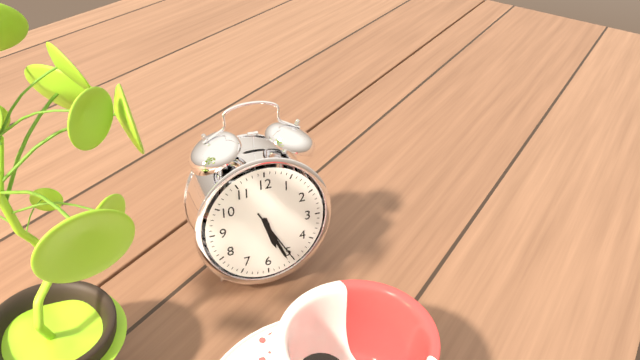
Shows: 5h26m25s
